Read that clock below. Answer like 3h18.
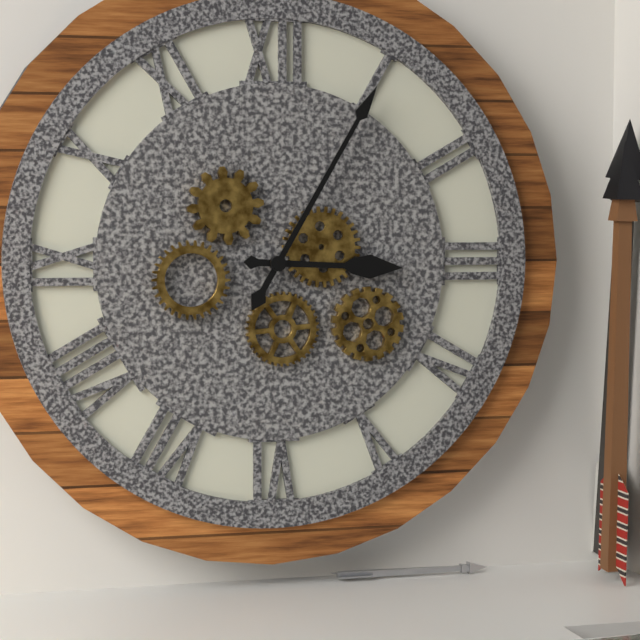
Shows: 3h05
